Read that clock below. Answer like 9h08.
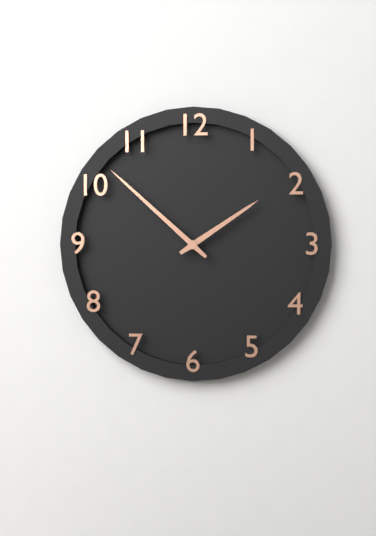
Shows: 1h52
